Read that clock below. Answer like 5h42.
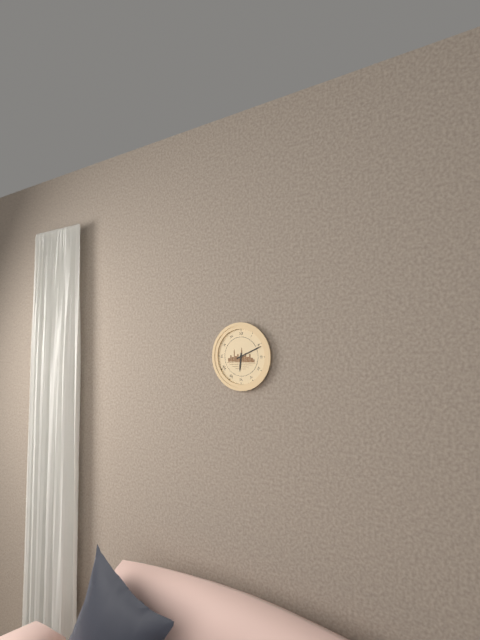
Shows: 6h11
